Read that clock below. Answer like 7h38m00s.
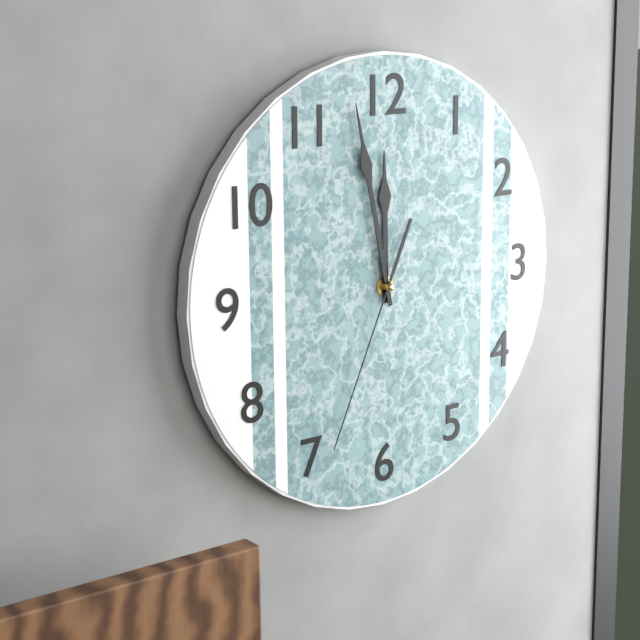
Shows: 11h58m34s
